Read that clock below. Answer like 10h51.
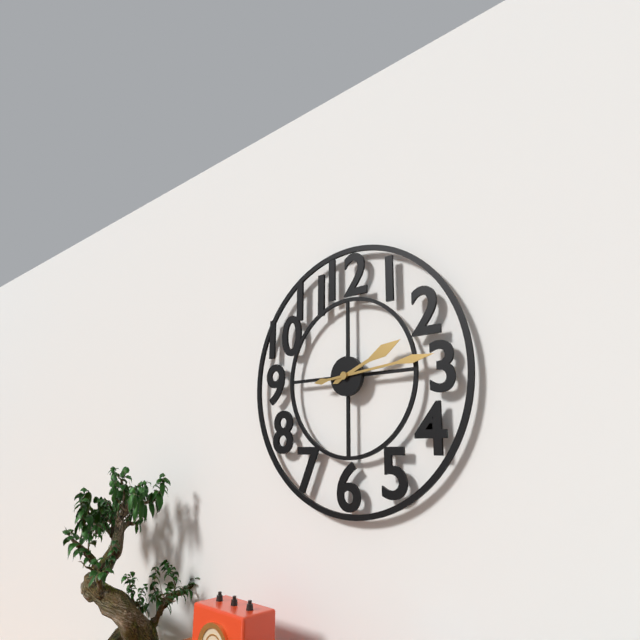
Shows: 2h14
